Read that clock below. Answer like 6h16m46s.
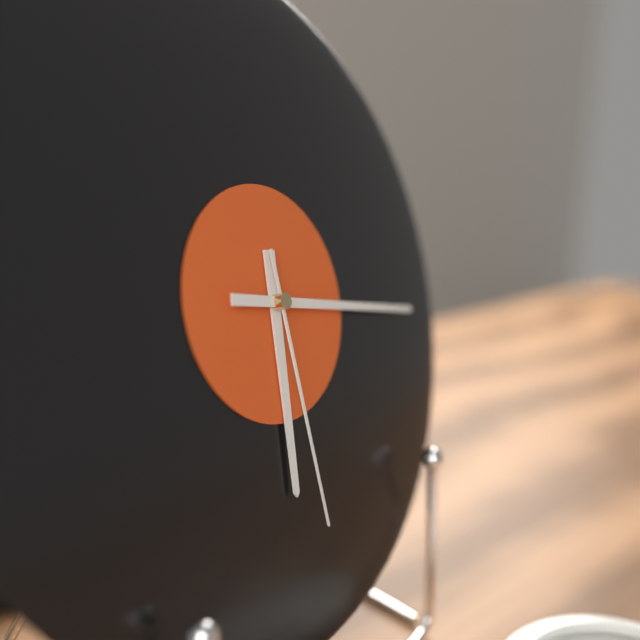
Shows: 6h17m30s
